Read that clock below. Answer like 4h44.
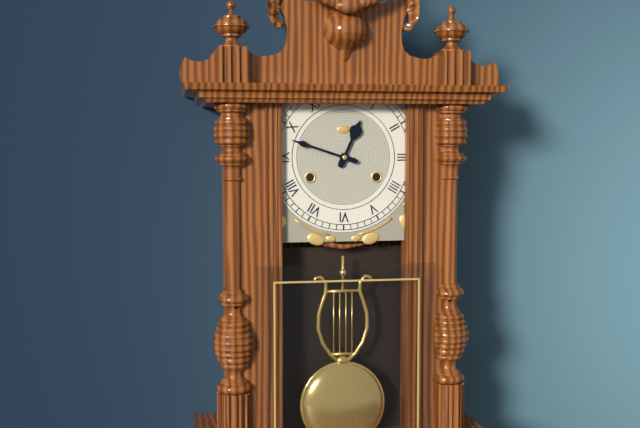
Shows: 12h48
